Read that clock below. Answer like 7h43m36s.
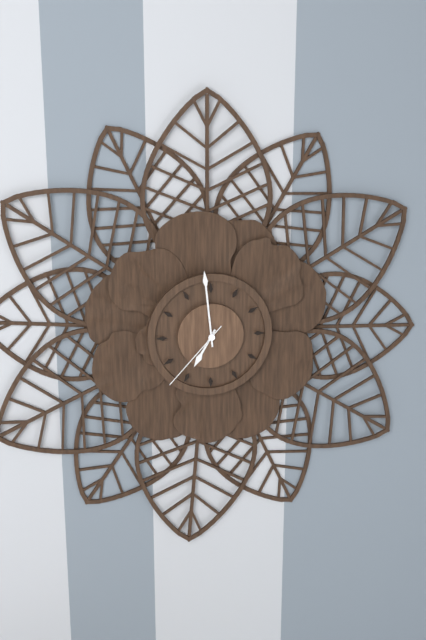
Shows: 6h59m37s
